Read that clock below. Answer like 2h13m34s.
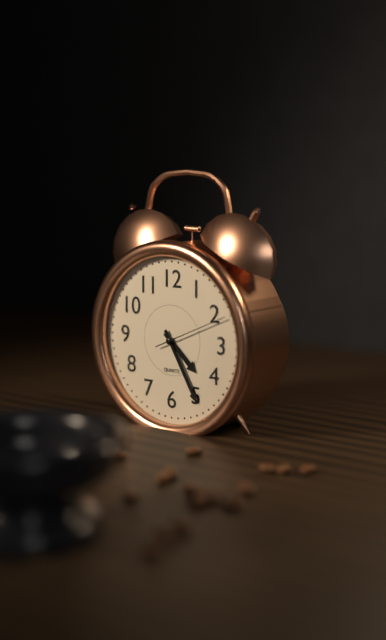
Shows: 4h25m11s
